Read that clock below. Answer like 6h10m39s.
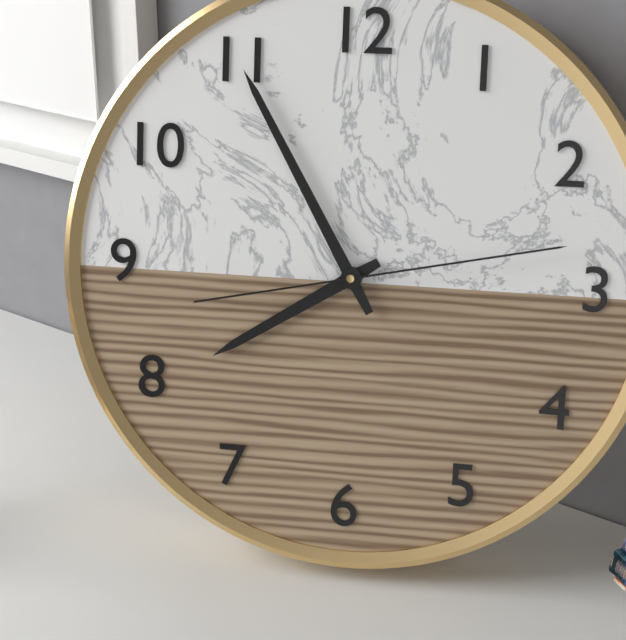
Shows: 7h55m13s
